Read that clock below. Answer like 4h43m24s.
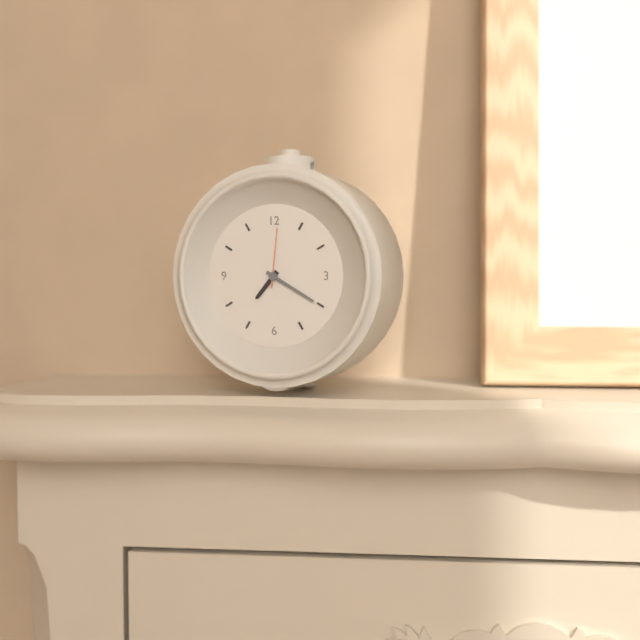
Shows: 7h20m01s
